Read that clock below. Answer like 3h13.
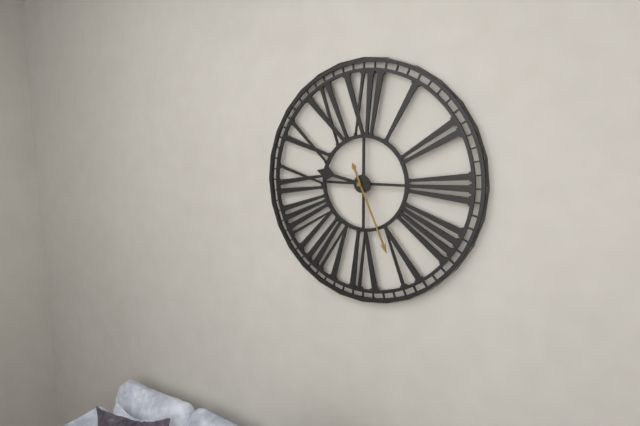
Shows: 9h26
